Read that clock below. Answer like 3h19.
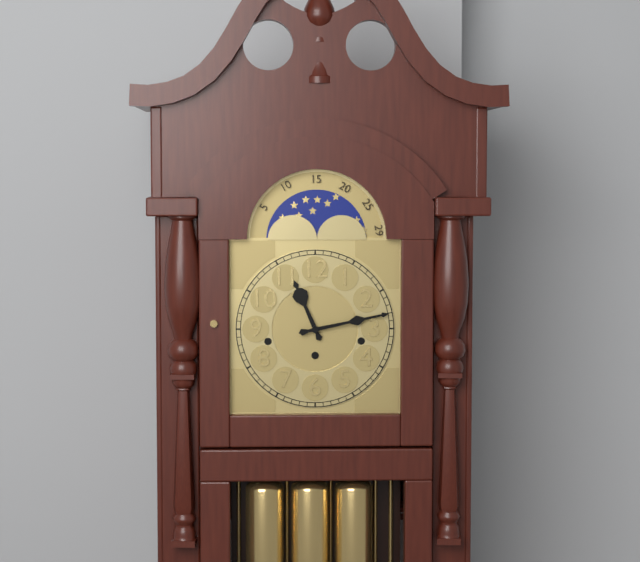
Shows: 11h13
